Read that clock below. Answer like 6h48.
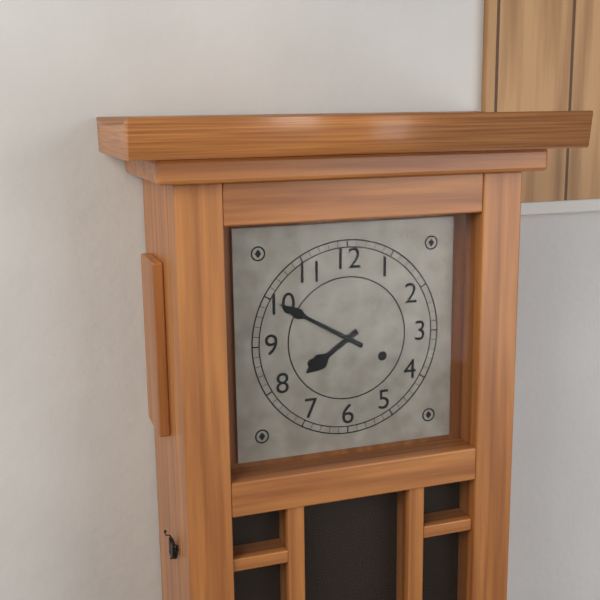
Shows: 7h50
